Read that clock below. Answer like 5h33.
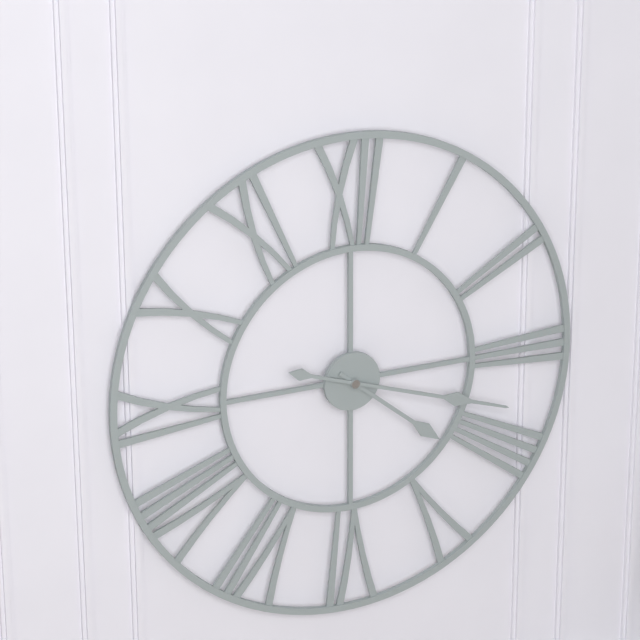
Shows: 4h18
